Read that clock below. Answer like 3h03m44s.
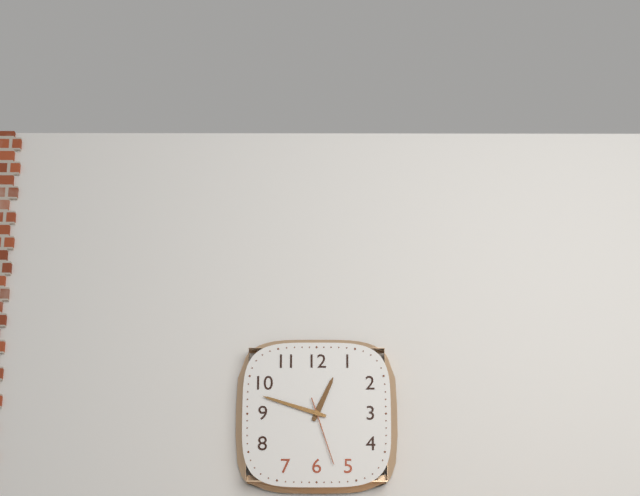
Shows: 12h48m27s
